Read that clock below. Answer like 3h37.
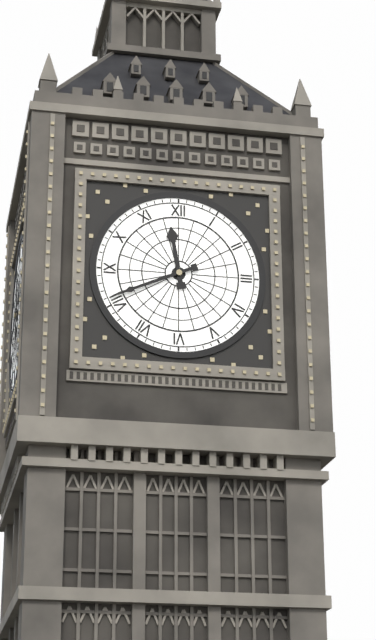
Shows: 11h41
